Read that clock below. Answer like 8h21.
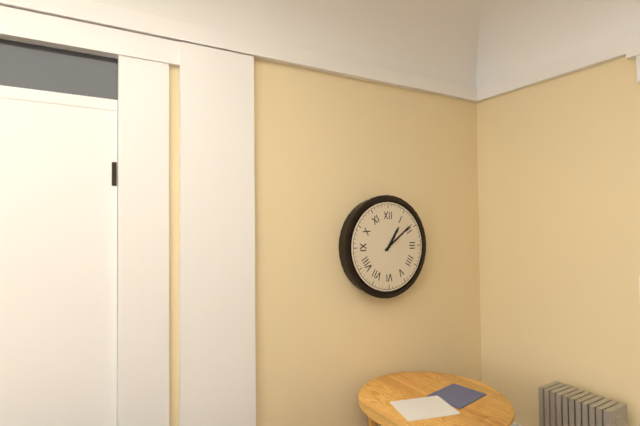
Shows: 1h09
